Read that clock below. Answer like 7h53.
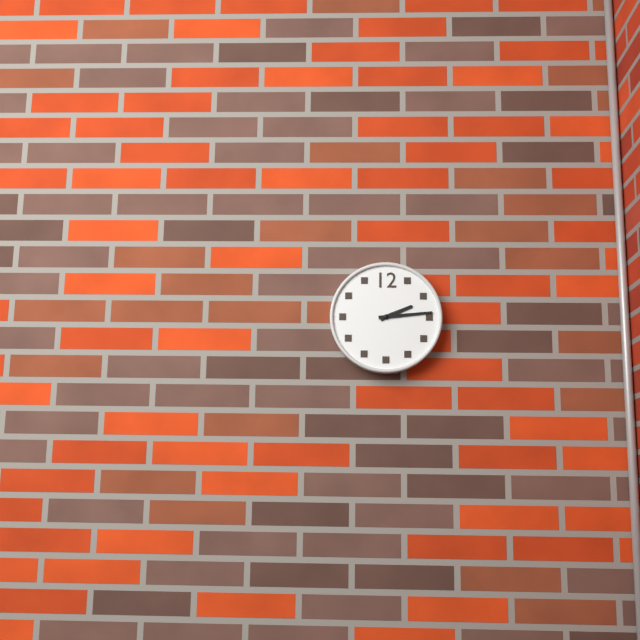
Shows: 2h14
